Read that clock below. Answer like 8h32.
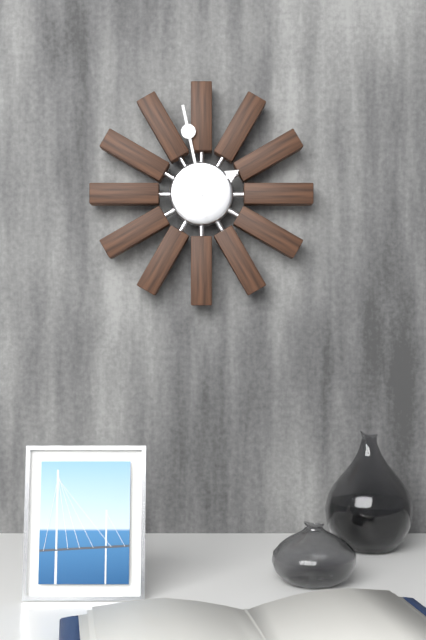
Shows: 1h58
